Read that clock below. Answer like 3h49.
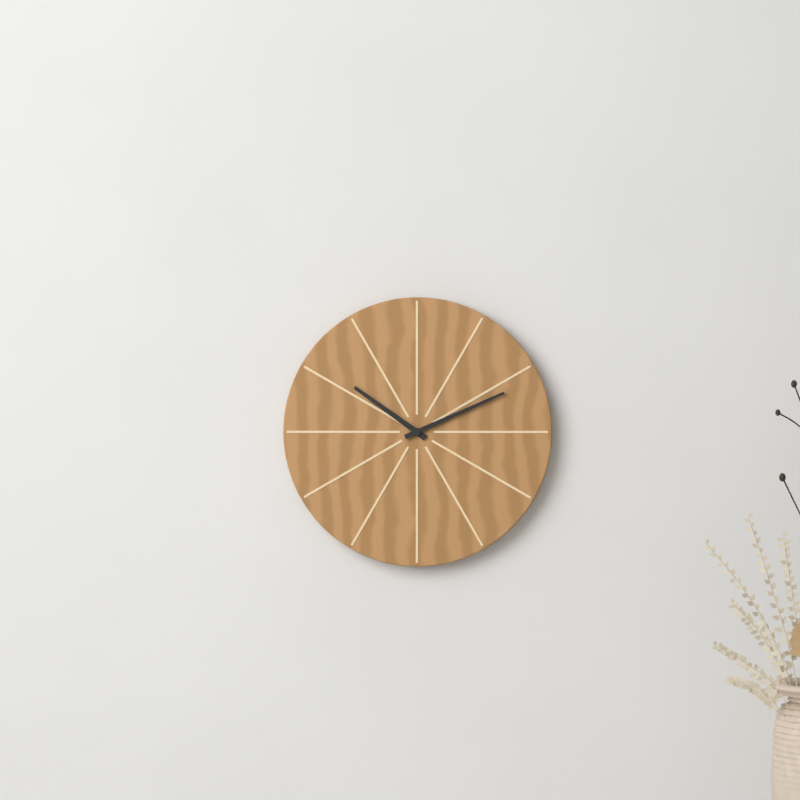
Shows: 10h11
